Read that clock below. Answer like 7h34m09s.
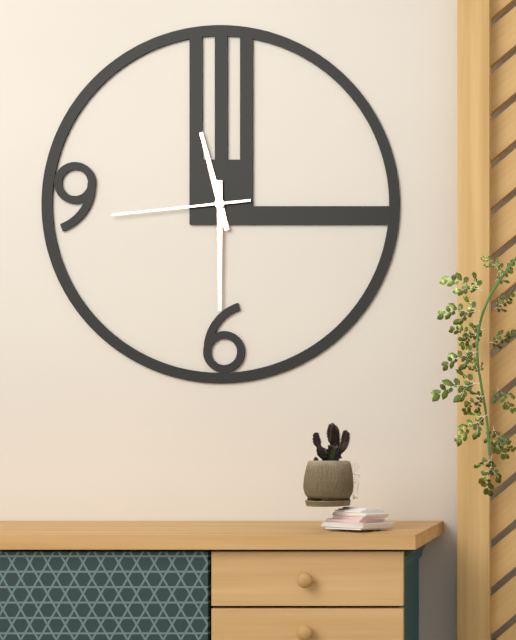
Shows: 11h30m44s
